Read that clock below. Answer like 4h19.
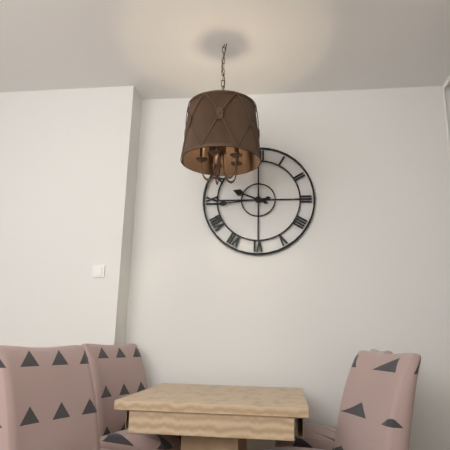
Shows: 9h44
